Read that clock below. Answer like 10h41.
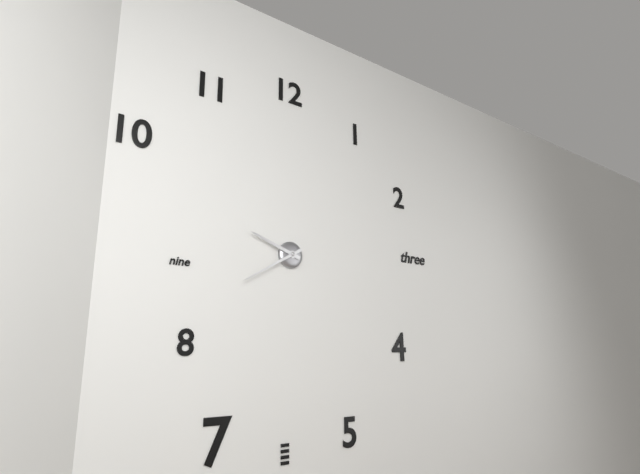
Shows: 9h40
